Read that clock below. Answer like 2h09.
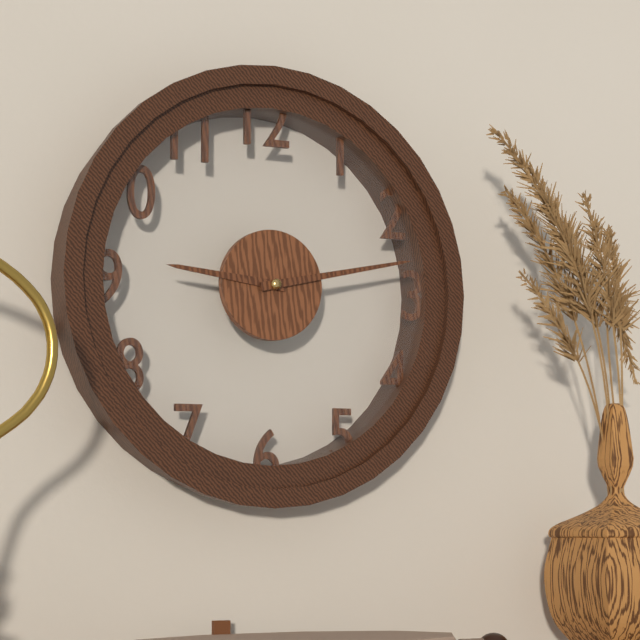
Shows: 9h13
